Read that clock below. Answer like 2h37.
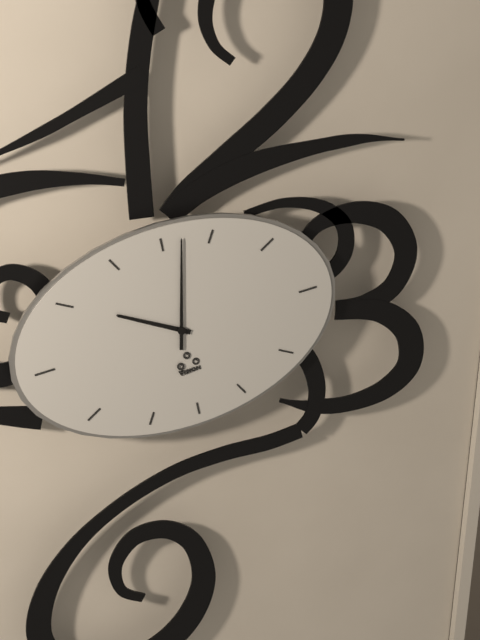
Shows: 10h02
